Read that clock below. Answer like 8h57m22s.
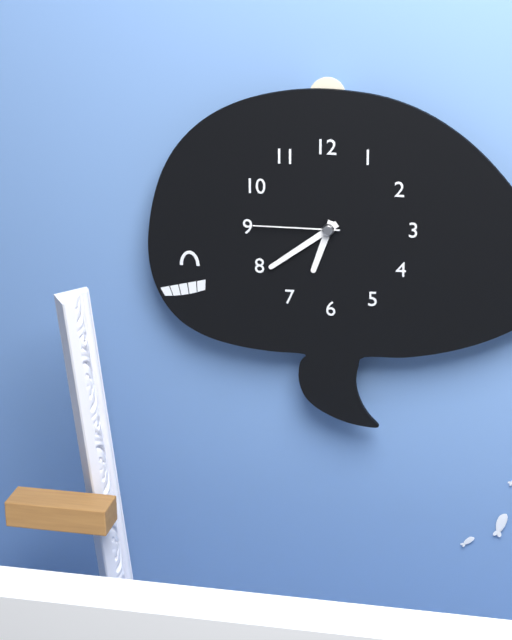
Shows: 6h39m45s
